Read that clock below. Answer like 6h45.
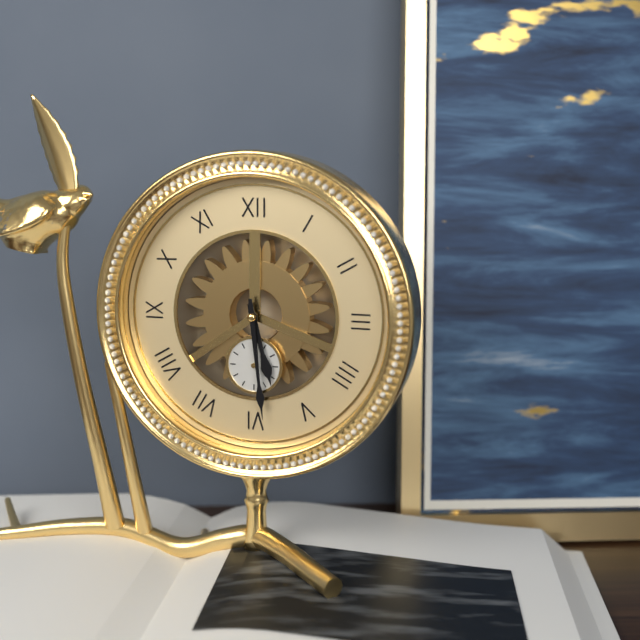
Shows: 5h29
